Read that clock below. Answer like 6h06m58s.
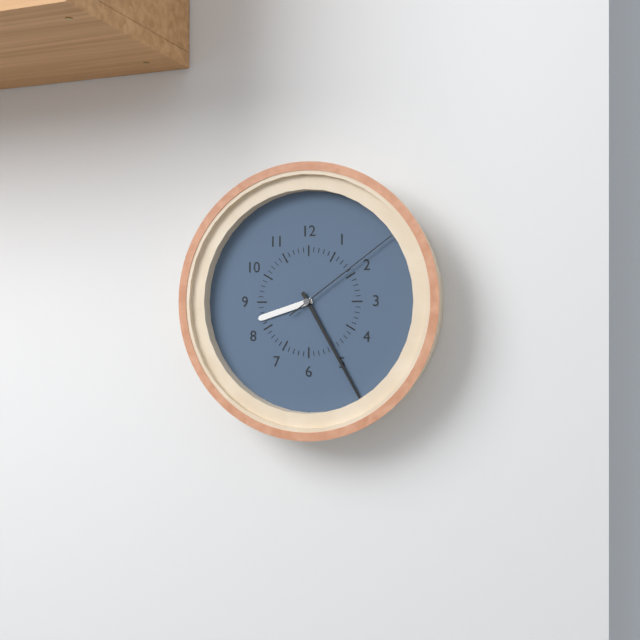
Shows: 8h25m09s
